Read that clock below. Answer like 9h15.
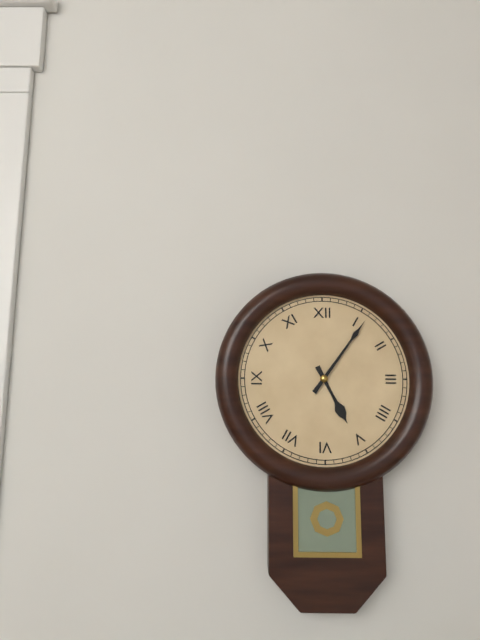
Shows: 5h06
